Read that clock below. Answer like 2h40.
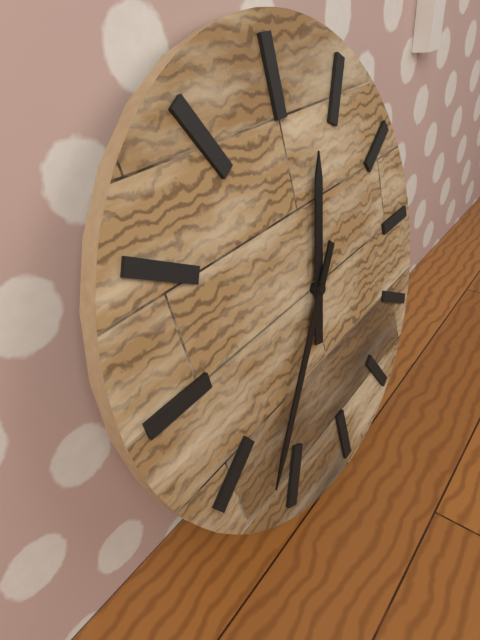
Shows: 12h37
